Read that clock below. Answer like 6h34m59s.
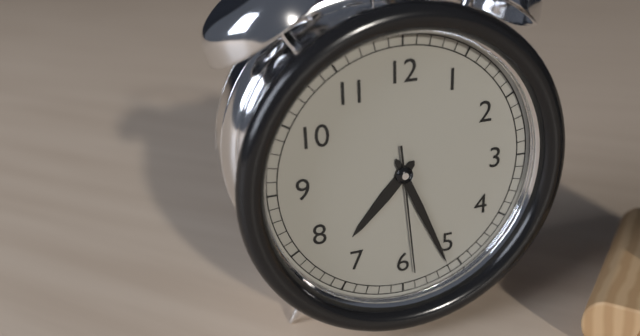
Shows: 7h26m29s
